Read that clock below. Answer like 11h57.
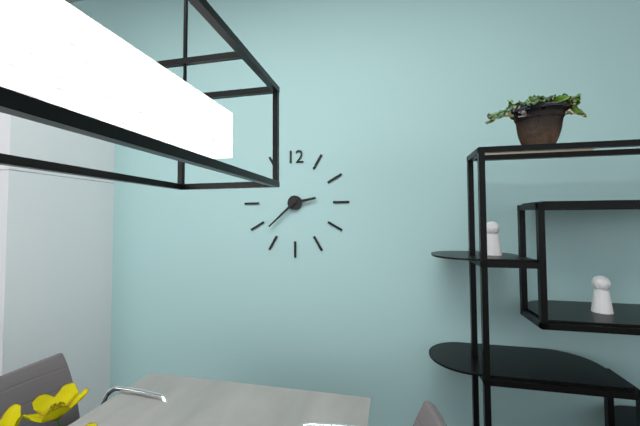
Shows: 2h38
